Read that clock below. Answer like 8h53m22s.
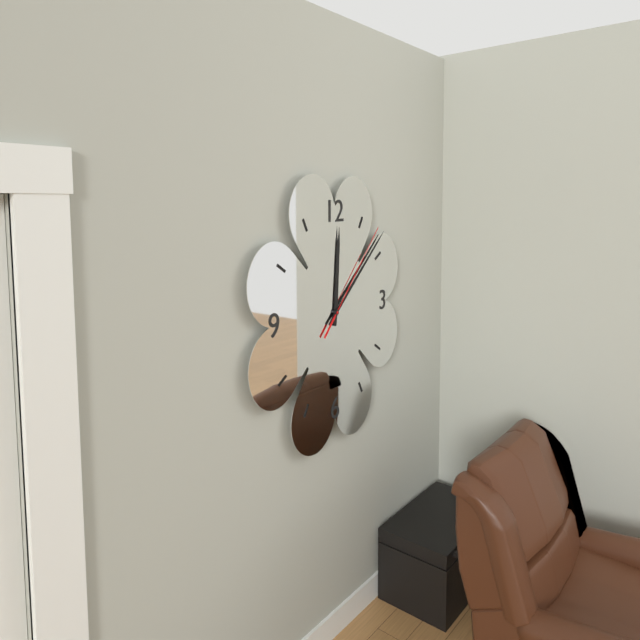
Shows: 12h08m07s
